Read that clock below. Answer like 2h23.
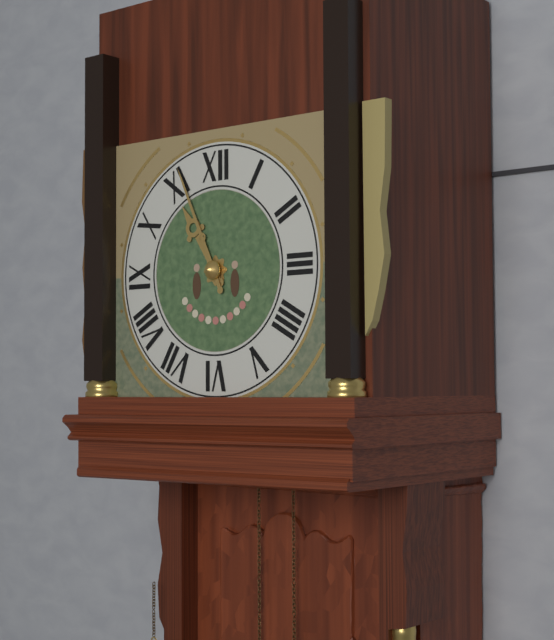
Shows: 10h56
